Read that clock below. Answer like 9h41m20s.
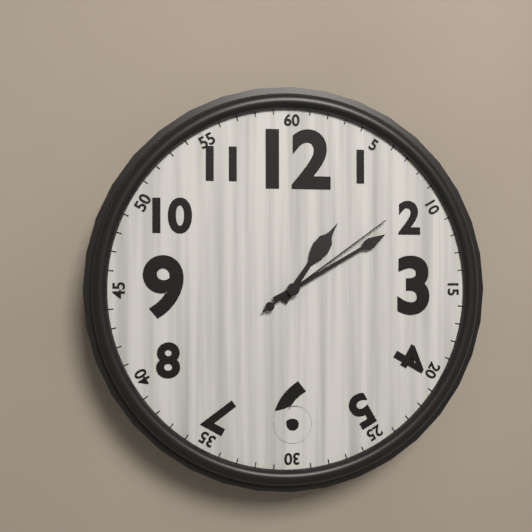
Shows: 1h10m09s
